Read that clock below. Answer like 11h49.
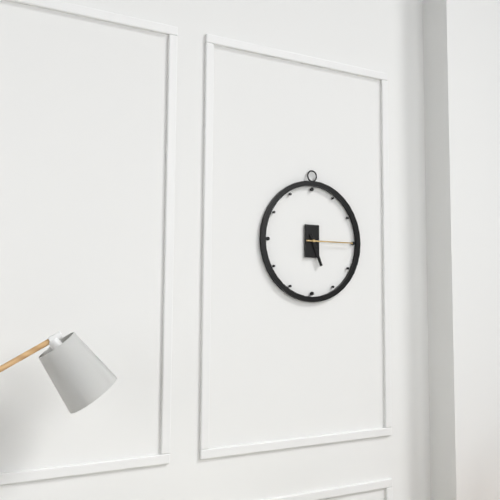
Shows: 5h15
